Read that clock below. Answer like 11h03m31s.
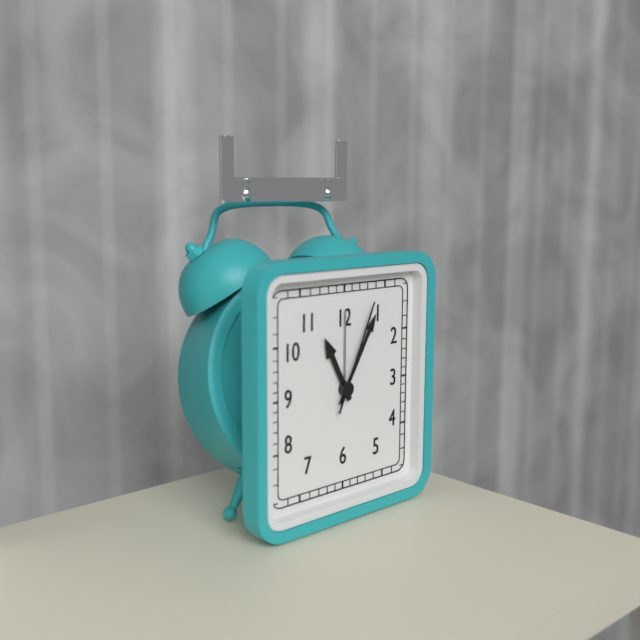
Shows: 11h05m04s
